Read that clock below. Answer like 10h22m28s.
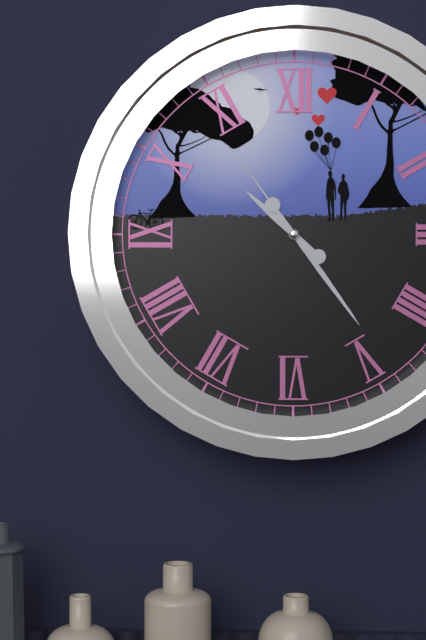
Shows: 10h24m54s
